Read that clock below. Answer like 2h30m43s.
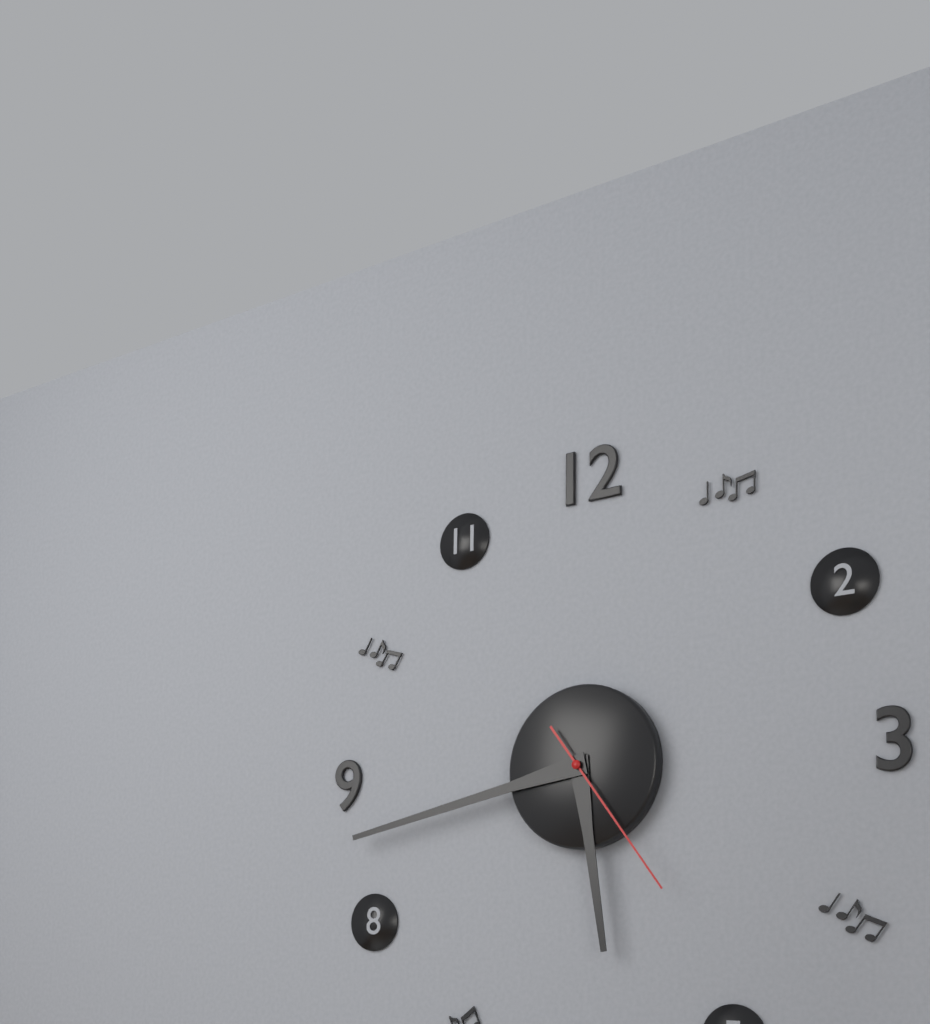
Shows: 5h43m24s
